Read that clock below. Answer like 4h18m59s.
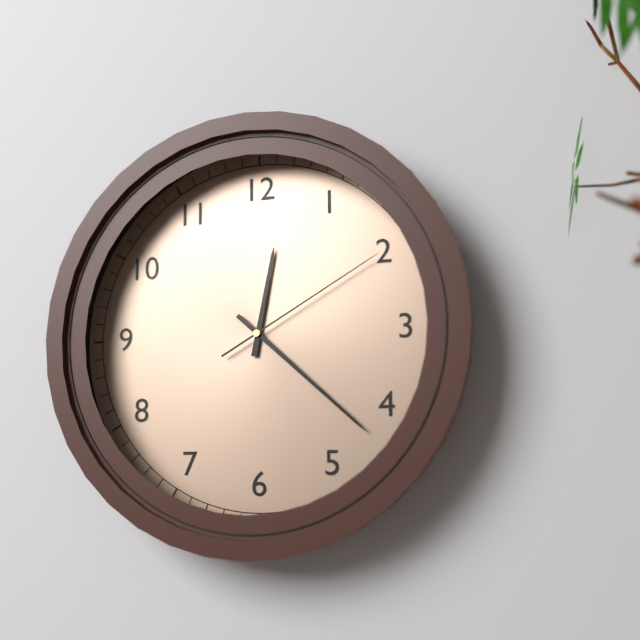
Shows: 12h22m10s
